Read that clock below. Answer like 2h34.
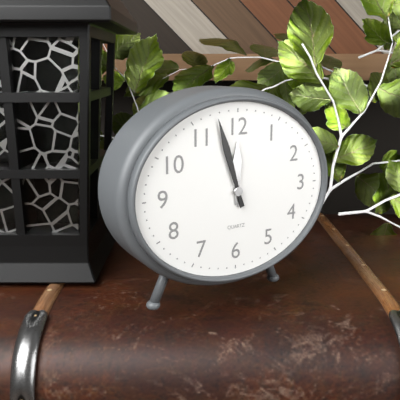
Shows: 11h57
